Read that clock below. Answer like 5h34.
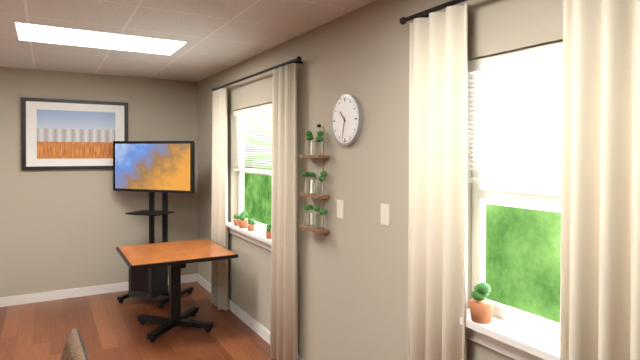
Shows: 10h32
